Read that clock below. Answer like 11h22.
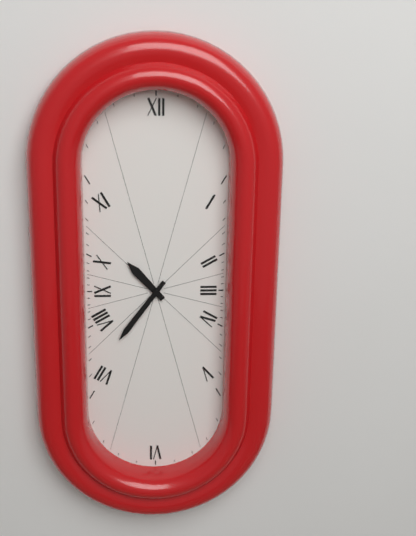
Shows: 10h36
